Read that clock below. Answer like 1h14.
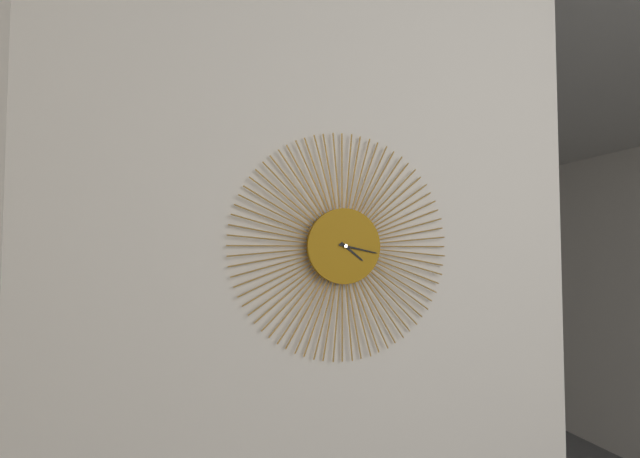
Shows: 4h17
